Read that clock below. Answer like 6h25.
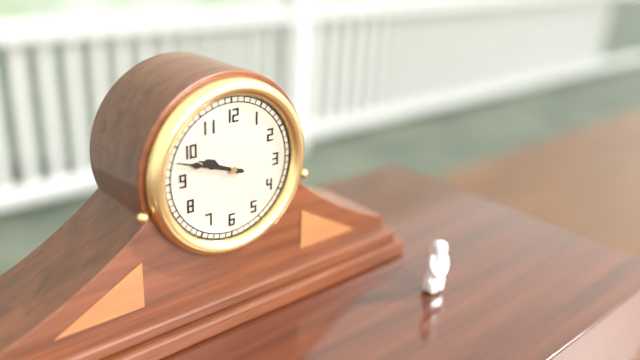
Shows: 9h48
